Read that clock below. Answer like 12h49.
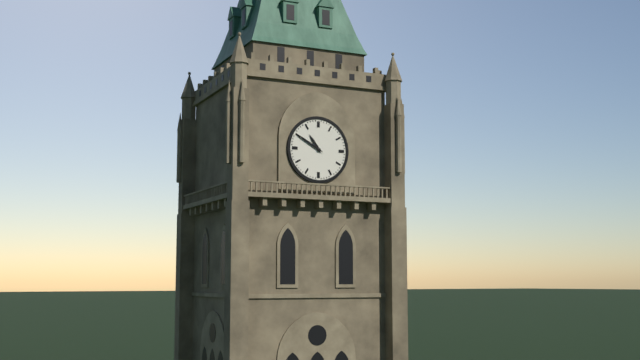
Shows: 10h50
